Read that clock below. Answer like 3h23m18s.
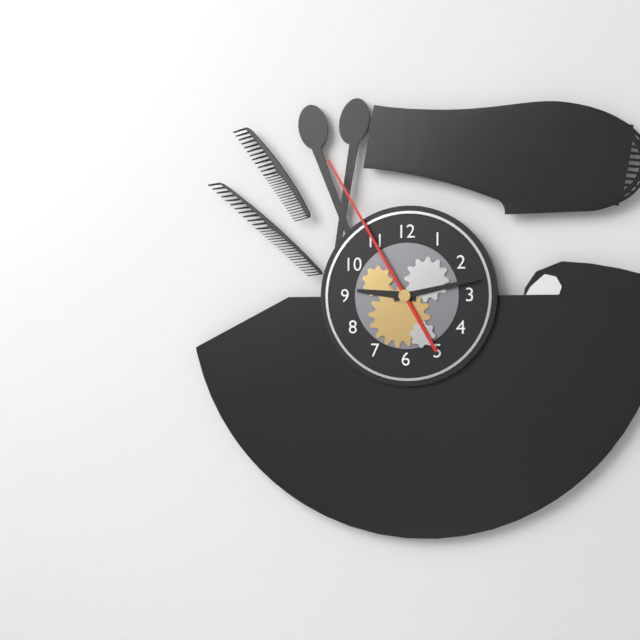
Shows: 9h13m55s
